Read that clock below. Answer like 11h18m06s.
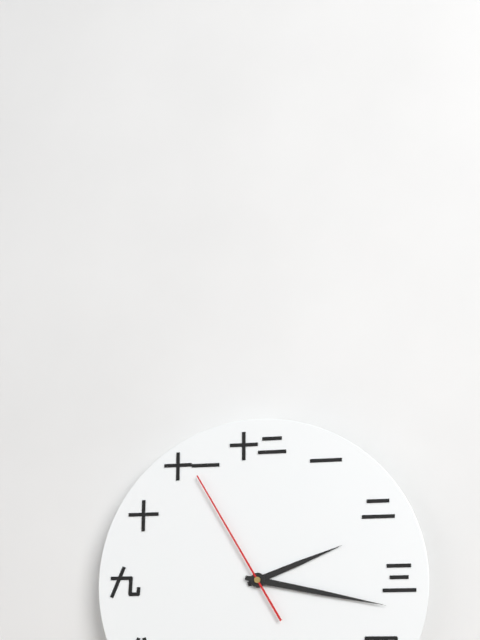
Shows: 2h17m55s
